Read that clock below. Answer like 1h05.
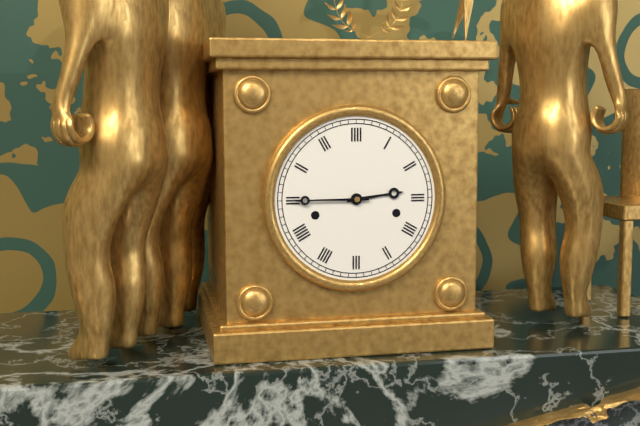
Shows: 2h45
